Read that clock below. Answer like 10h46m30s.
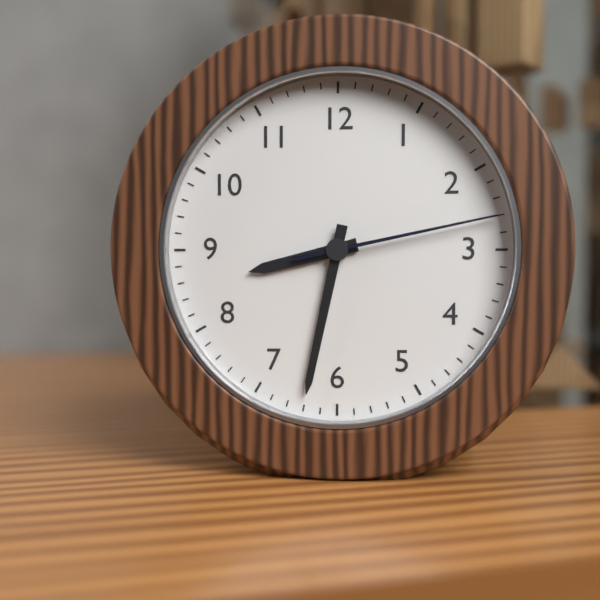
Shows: 8h32m13s
